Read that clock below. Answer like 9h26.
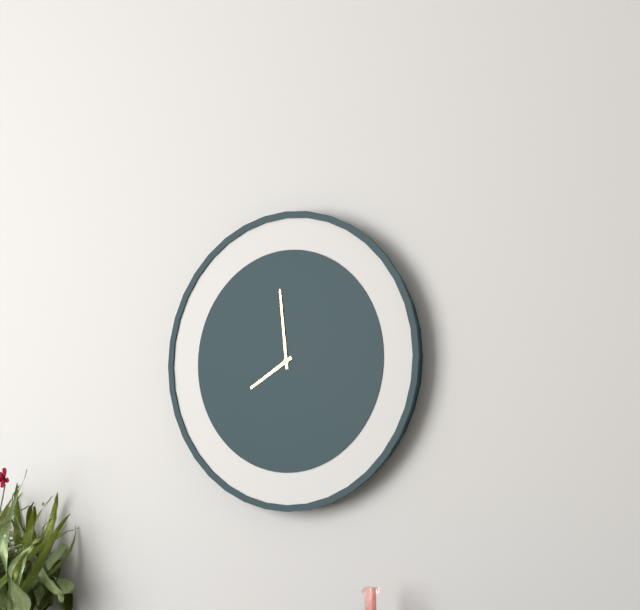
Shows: 7h59
